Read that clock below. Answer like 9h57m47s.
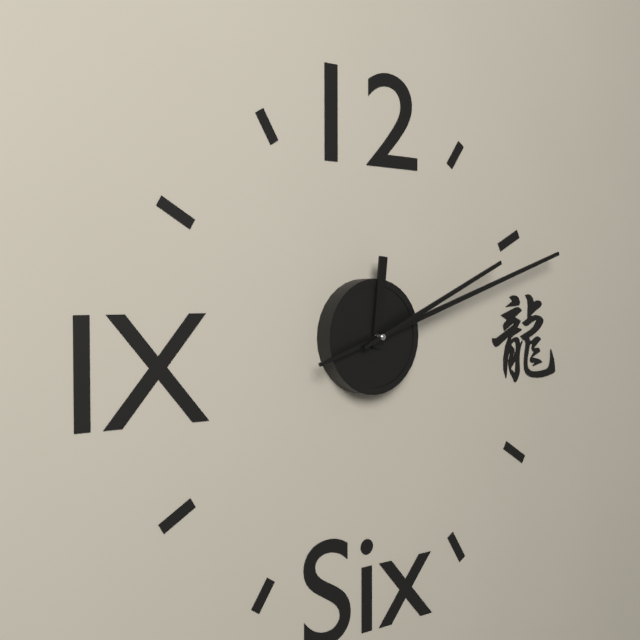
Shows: 12h12m11s
